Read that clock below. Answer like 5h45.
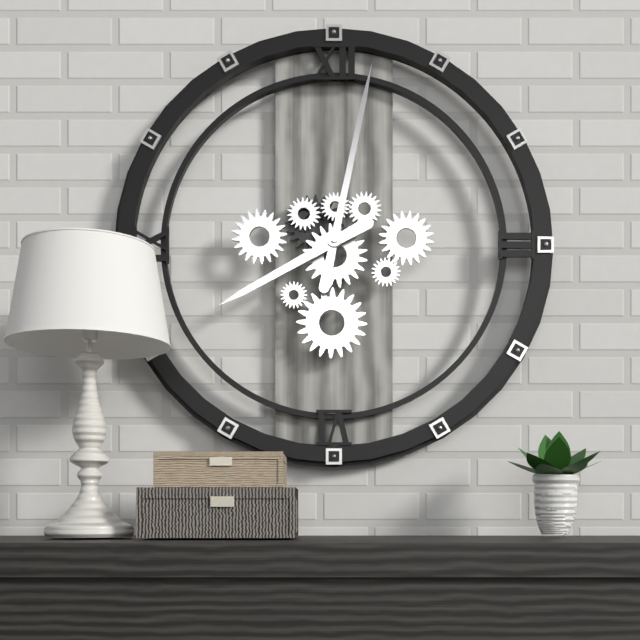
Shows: 8h02
